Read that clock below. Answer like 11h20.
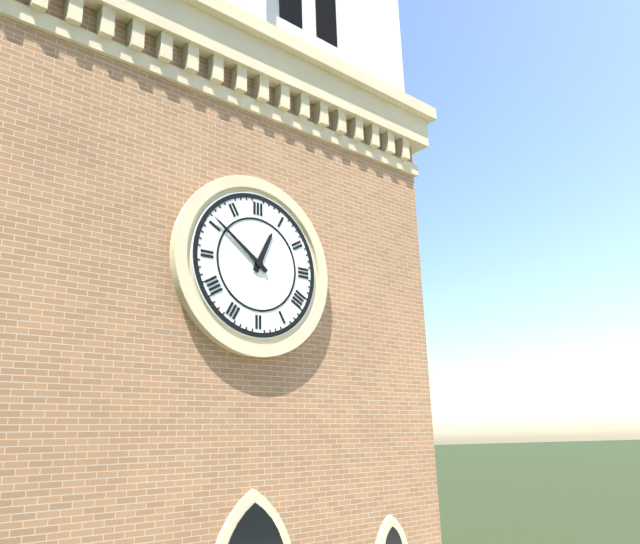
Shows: 12h51
